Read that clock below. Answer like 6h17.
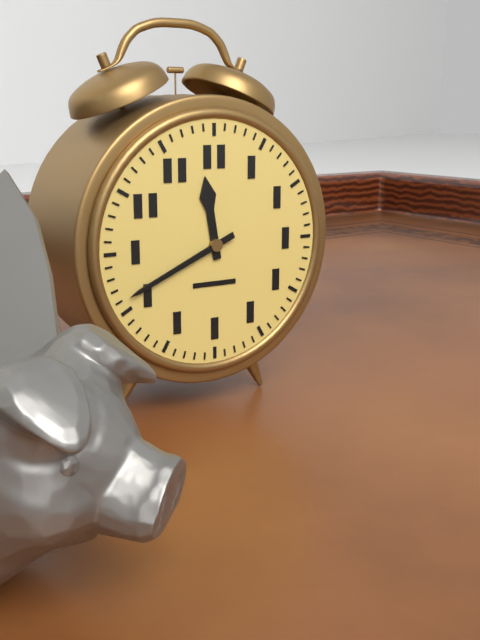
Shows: 11h41
